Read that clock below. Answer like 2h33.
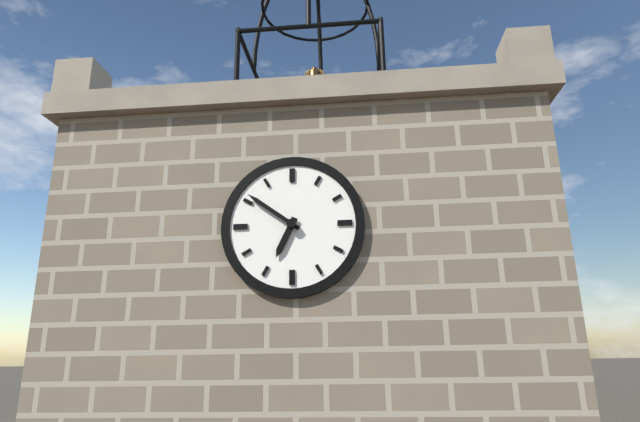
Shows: 6h51
